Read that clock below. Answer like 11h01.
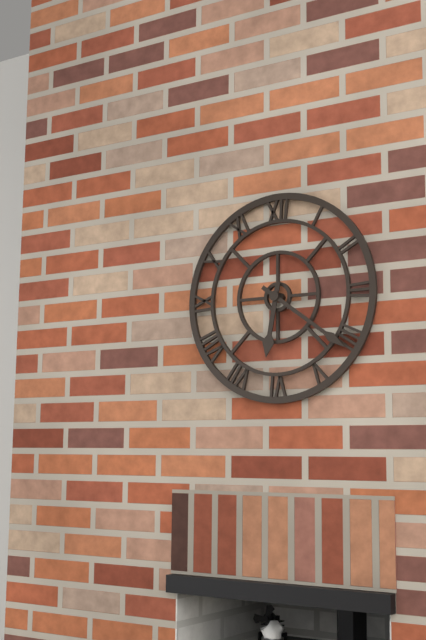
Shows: 6h21
